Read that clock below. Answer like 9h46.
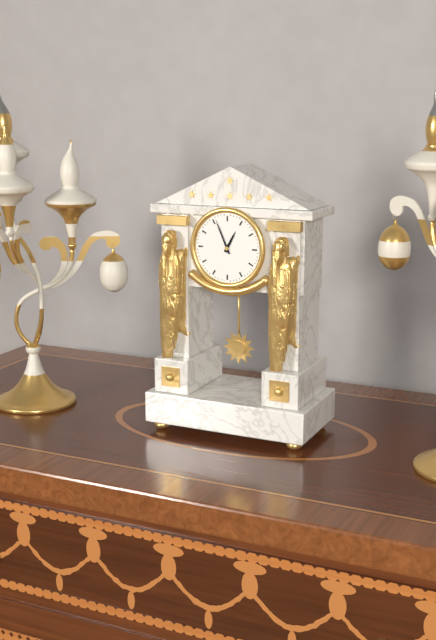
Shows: 12h56
